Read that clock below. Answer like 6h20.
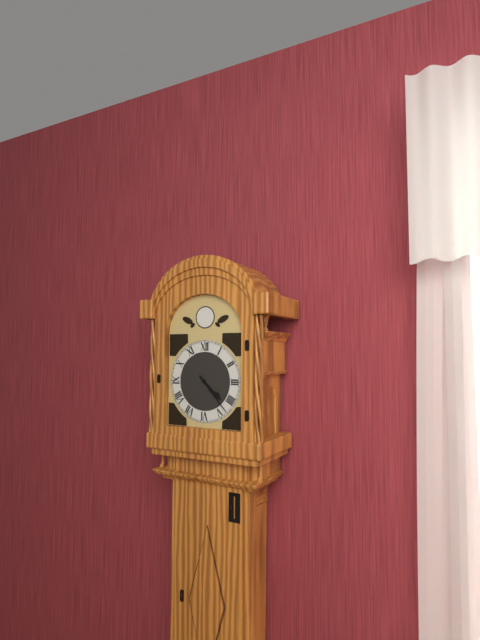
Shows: 4h23
